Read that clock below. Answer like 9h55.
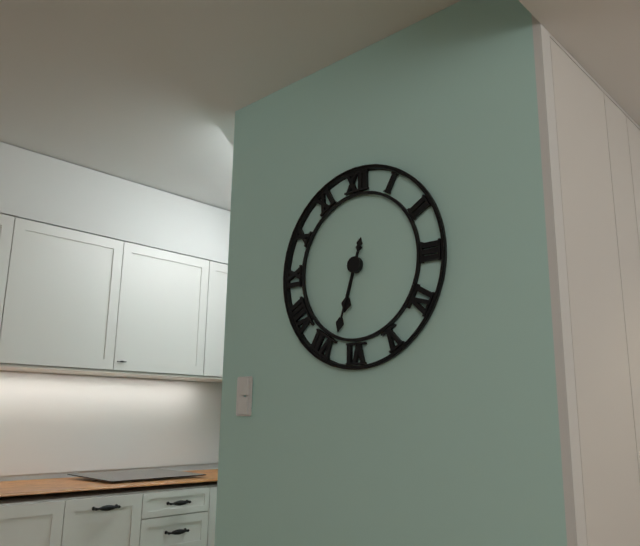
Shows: 6h33
